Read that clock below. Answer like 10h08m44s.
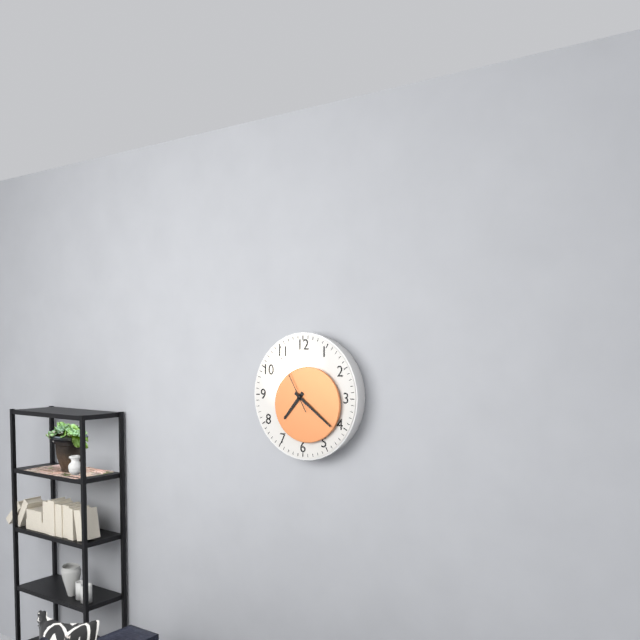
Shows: 7h21m55s
